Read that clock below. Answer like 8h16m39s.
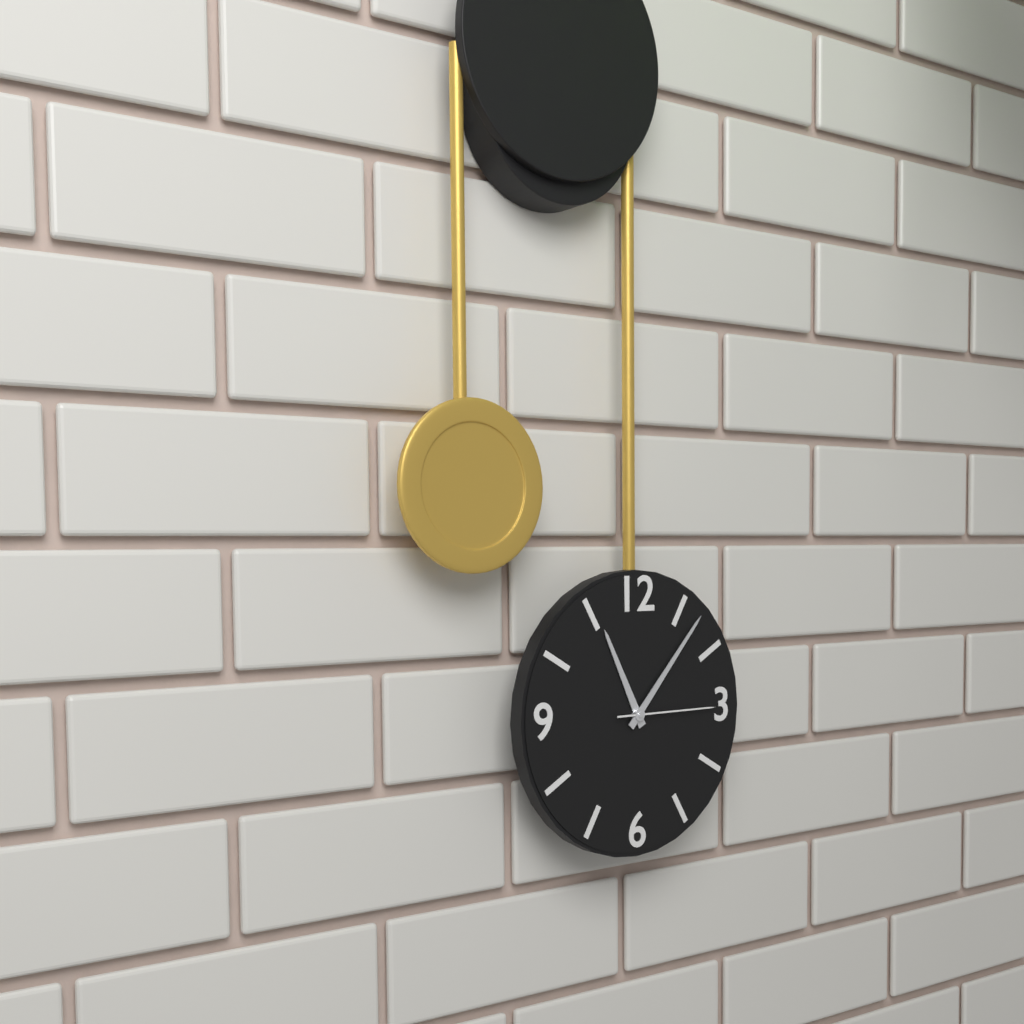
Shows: 11h07m15s
